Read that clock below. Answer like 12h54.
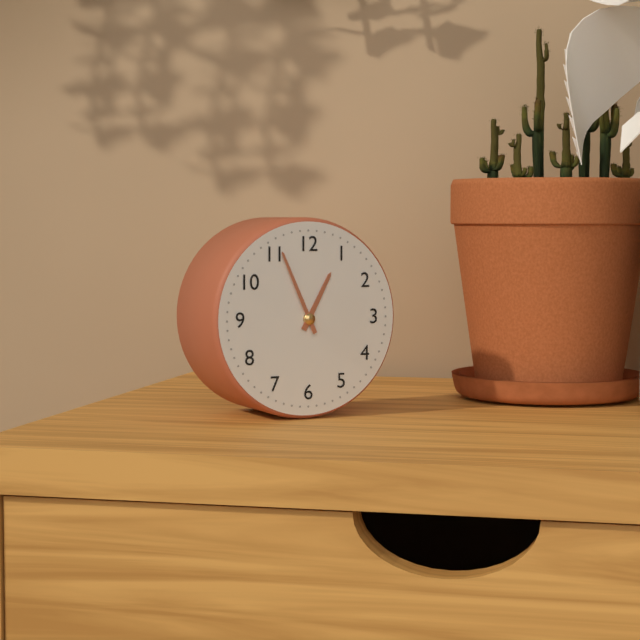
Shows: 12h56
